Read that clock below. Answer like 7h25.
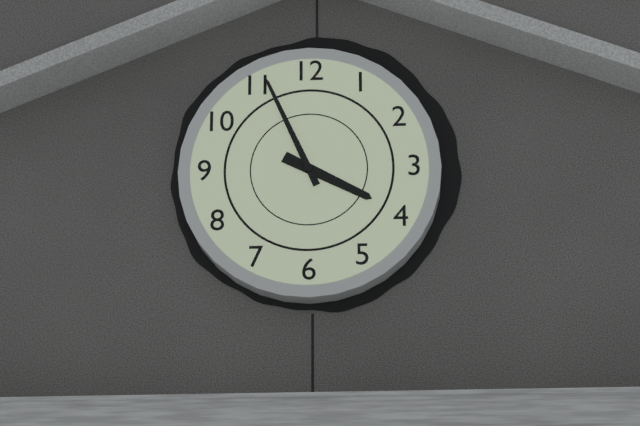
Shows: 3h56
